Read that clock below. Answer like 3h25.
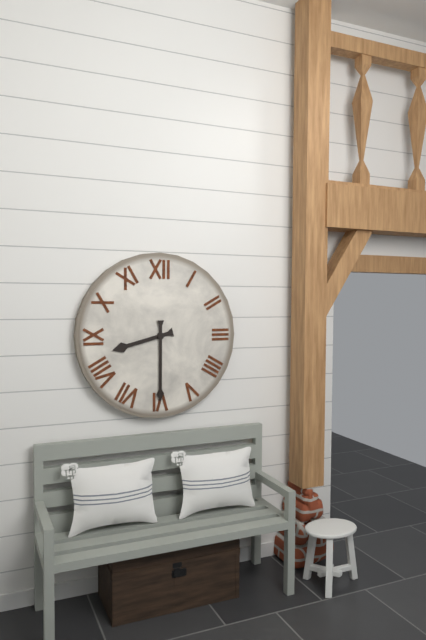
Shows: 8h30
